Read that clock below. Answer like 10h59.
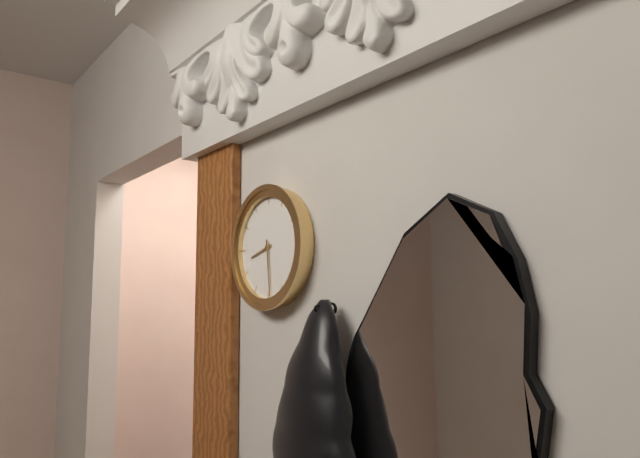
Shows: 8h29
